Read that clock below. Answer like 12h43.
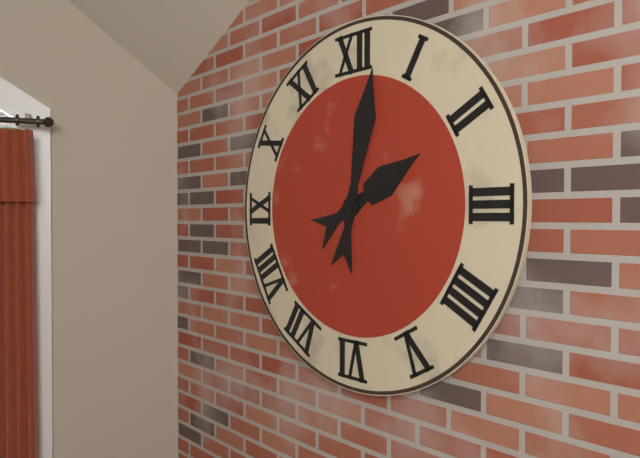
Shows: 2h02
